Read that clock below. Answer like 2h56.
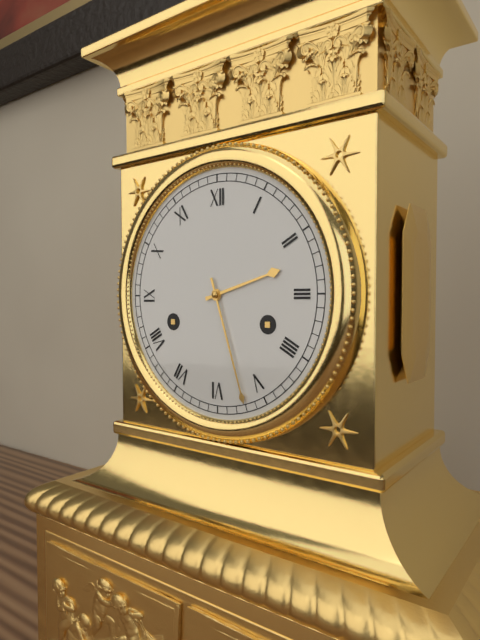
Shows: 2h27
